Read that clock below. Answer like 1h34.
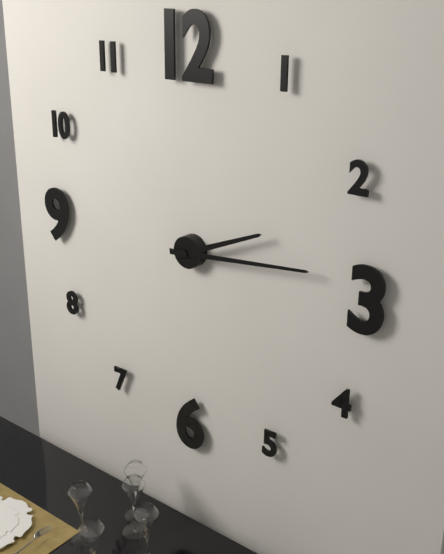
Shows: 2h14
